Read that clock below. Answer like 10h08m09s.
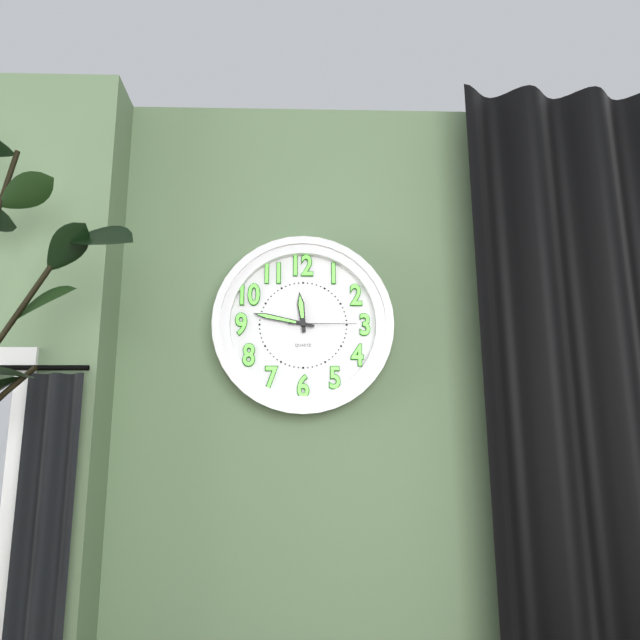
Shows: 11h47m15s
